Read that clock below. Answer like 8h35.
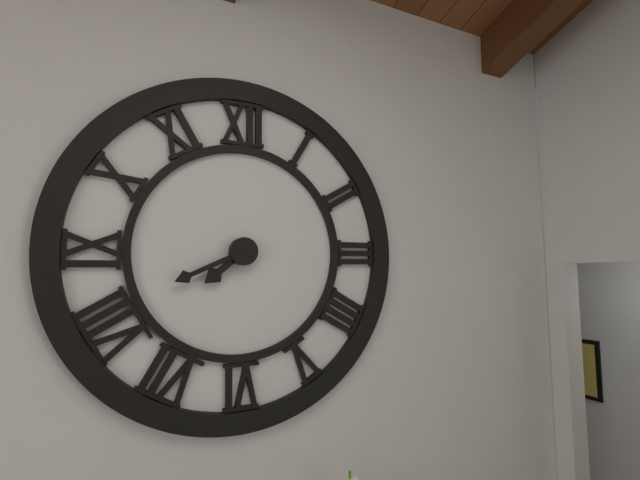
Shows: 7h41
